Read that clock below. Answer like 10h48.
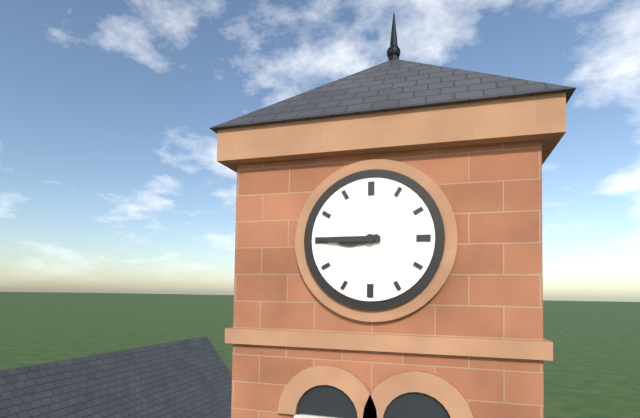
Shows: 8h45
